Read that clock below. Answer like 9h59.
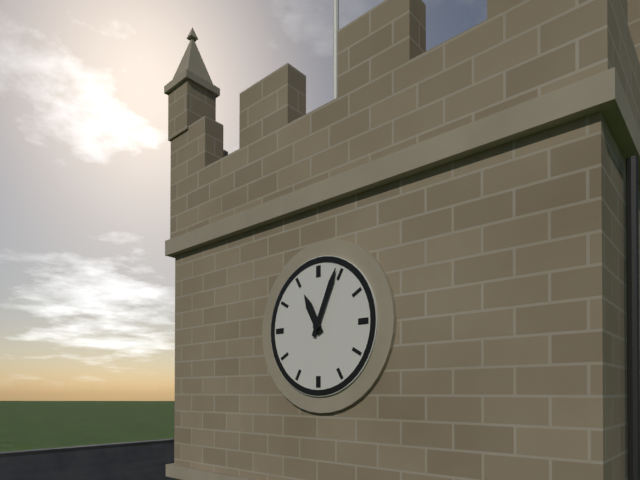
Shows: 11h04
